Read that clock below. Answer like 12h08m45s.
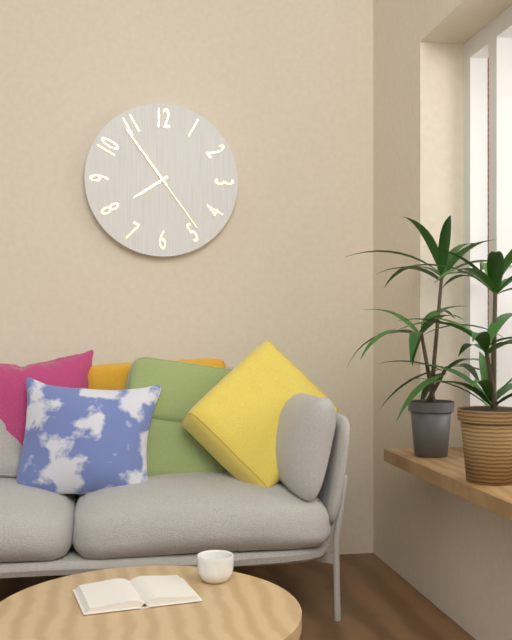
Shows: 7h54m24s
